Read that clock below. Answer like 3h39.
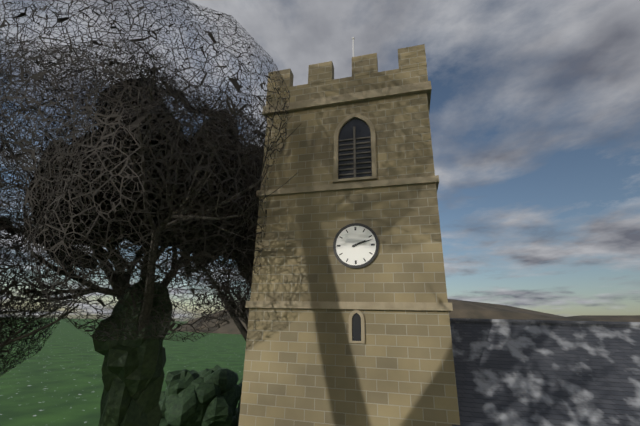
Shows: 2h12
